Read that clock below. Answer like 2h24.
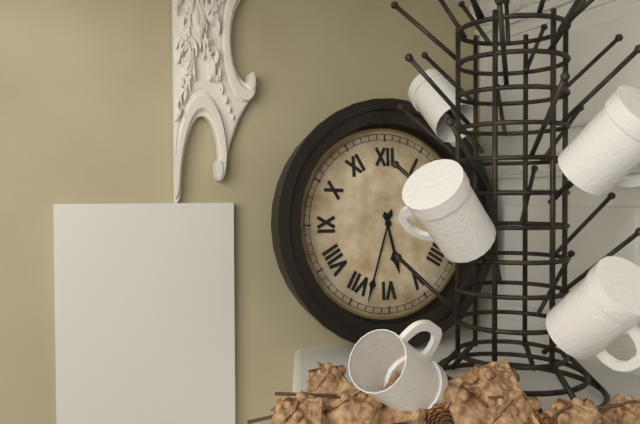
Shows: 5h33
